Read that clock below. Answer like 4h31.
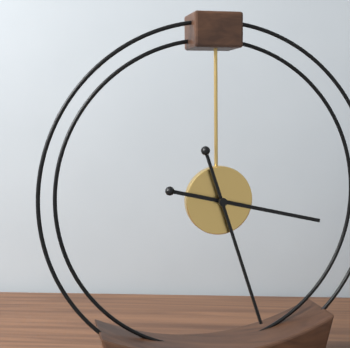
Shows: 3h27
